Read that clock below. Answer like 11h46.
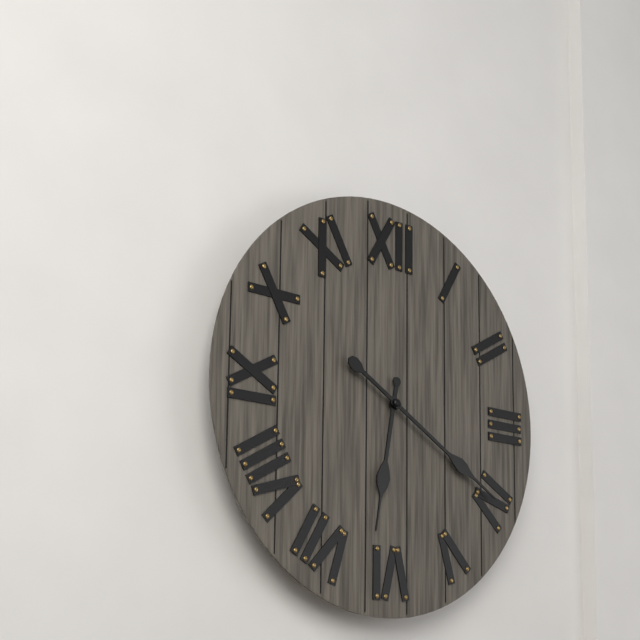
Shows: 6h20
